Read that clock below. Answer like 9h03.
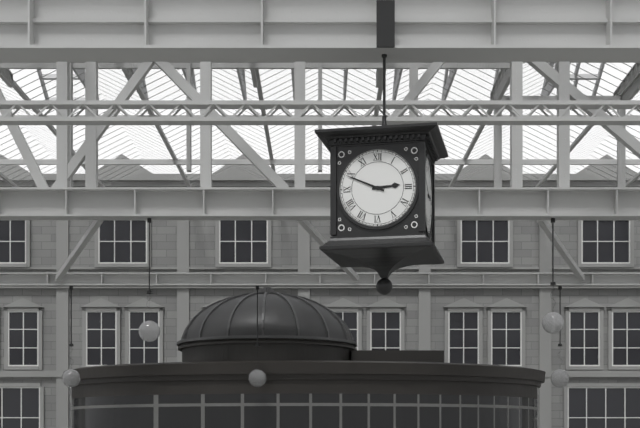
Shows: 2h49
